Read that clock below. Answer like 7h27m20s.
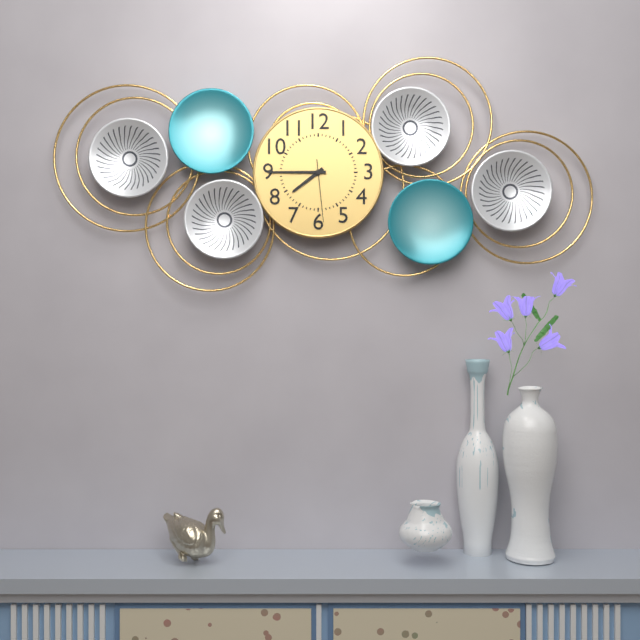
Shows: 7h45m29s
